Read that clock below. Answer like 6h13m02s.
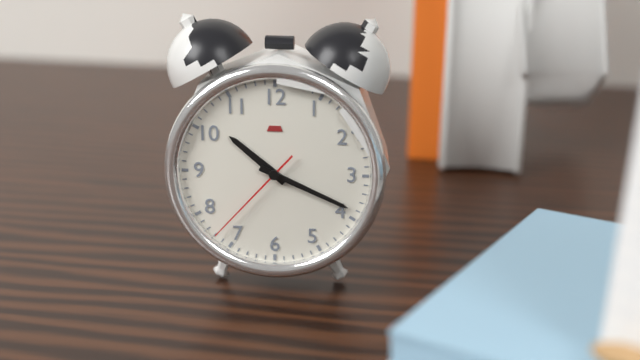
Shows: 10h19m37s
